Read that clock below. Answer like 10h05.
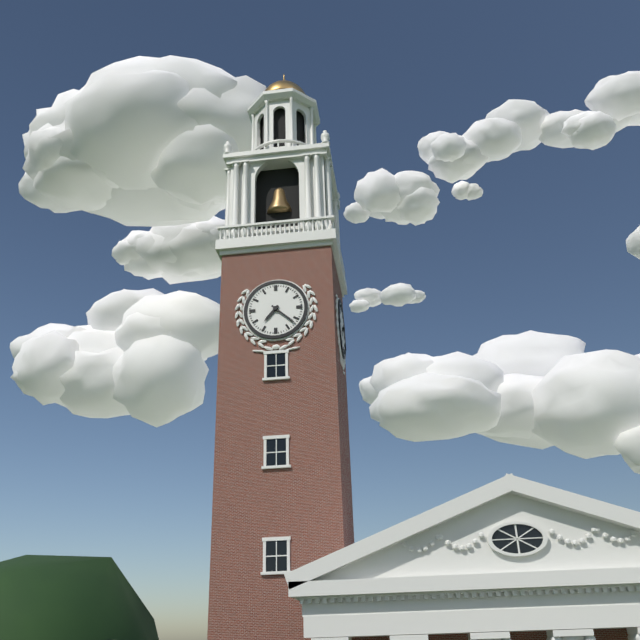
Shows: 7h22
